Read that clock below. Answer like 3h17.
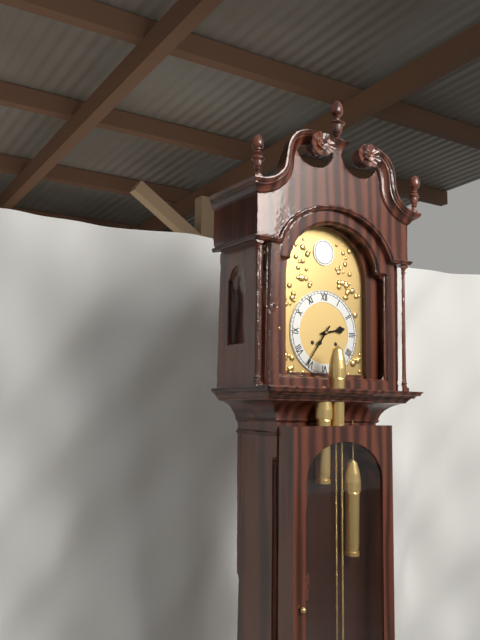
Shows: 2h36
